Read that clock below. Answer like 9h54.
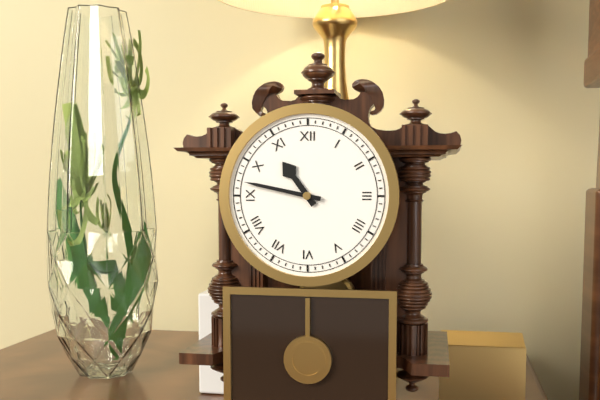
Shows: 10h47
